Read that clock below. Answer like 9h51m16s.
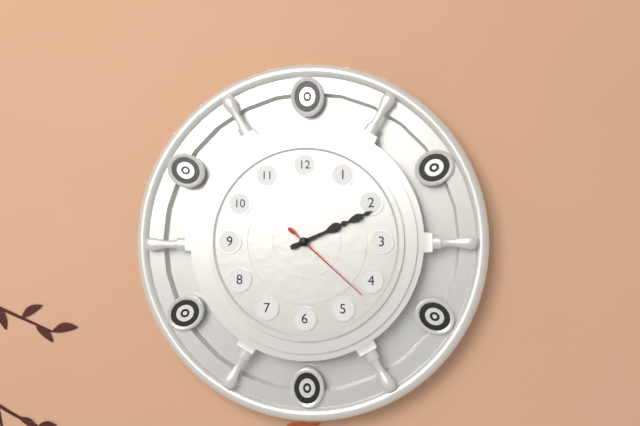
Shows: 2h11m22s
